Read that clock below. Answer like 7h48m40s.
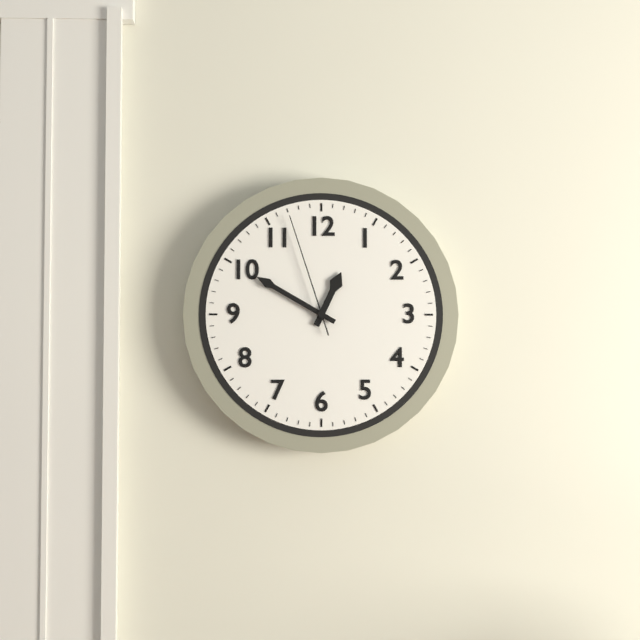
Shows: 12h50m57s
